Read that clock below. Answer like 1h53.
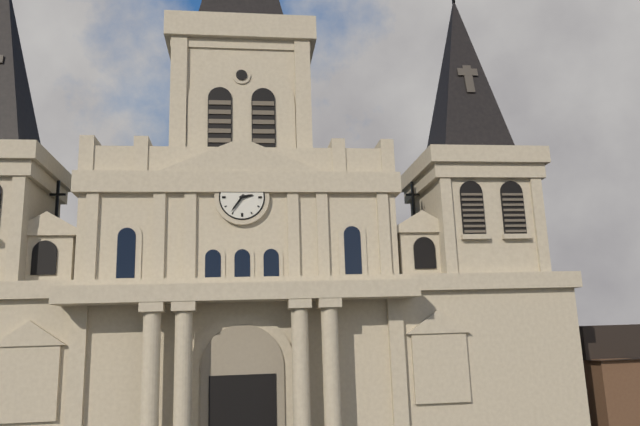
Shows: 2h36
